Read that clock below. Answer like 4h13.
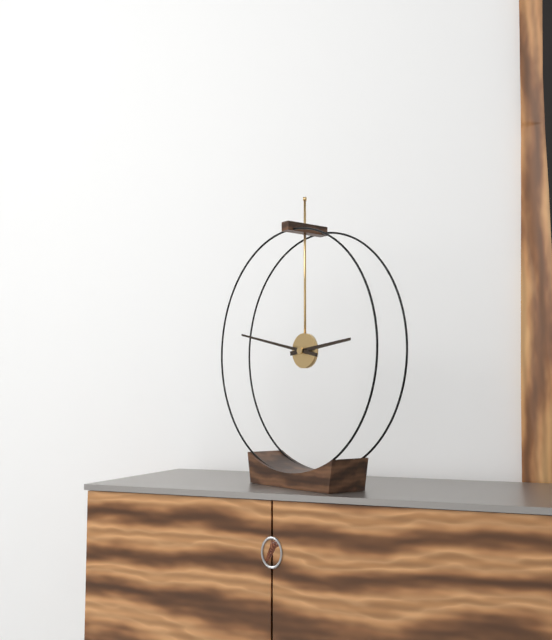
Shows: 2h47
